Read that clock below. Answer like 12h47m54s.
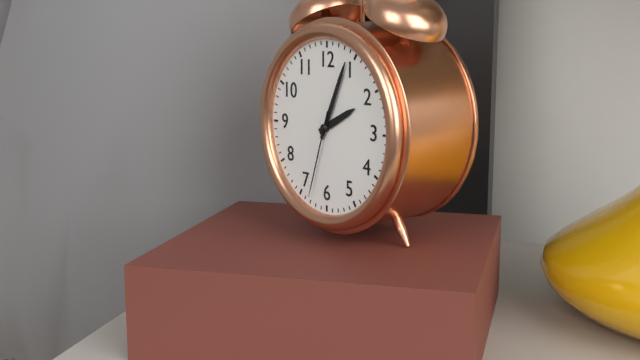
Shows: 2h04m33s
